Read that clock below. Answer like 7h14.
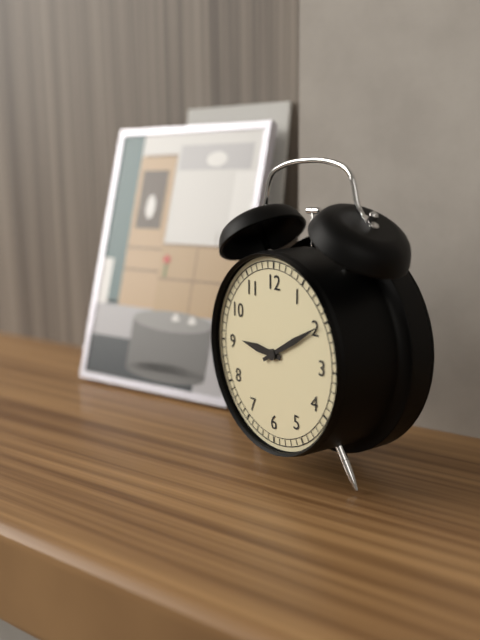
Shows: 9h10
